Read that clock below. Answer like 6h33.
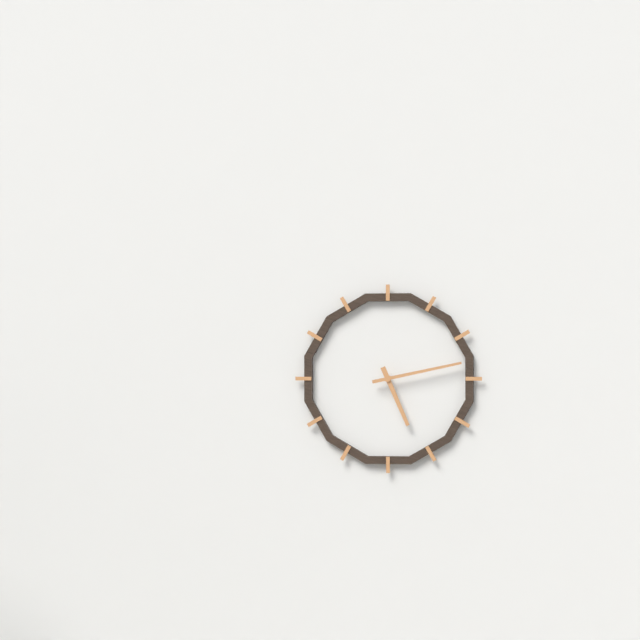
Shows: 5h13
